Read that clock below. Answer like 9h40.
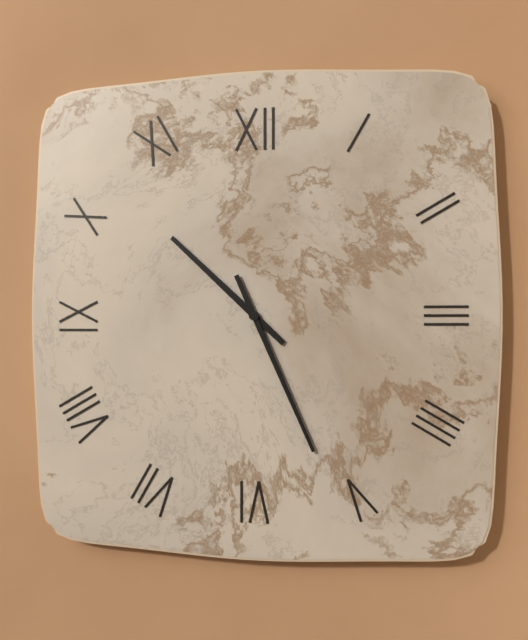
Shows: 10h26
